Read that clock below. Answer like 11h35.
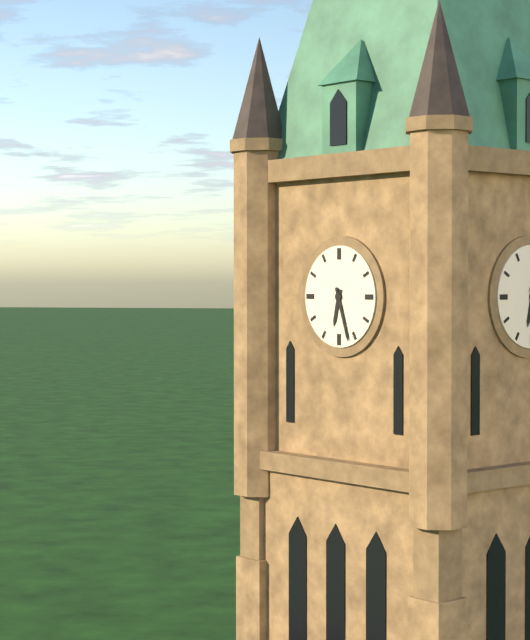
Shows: 6h27
